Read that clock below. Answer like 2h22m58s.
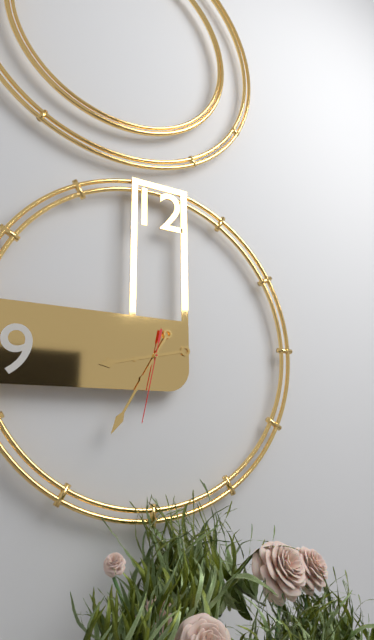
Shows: 8h35m32s
